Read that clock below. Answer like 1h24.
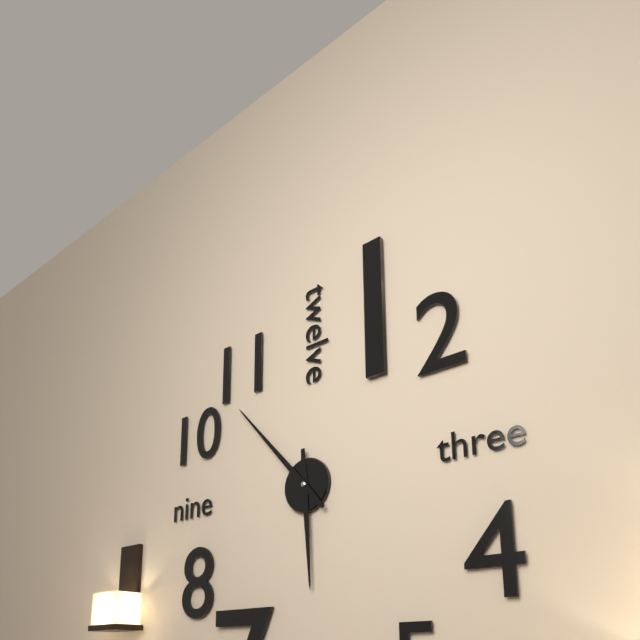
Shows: 5h53
